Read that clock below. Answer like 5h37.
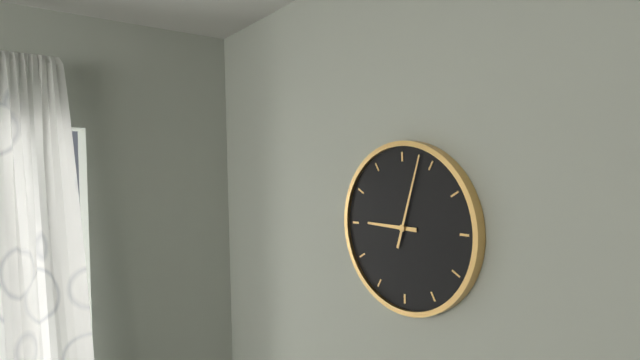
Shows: 9h03
